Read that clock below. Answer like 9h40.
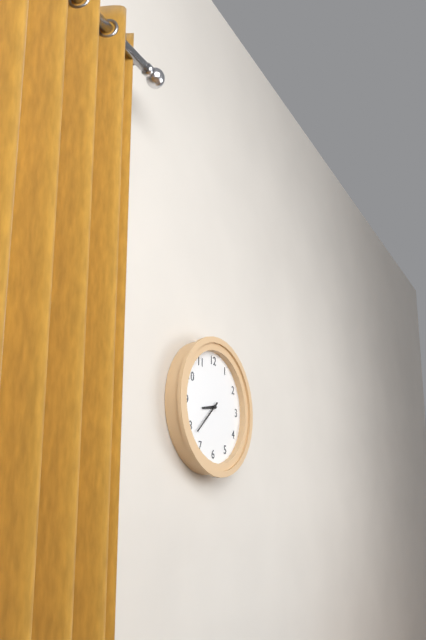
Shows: 8h38
